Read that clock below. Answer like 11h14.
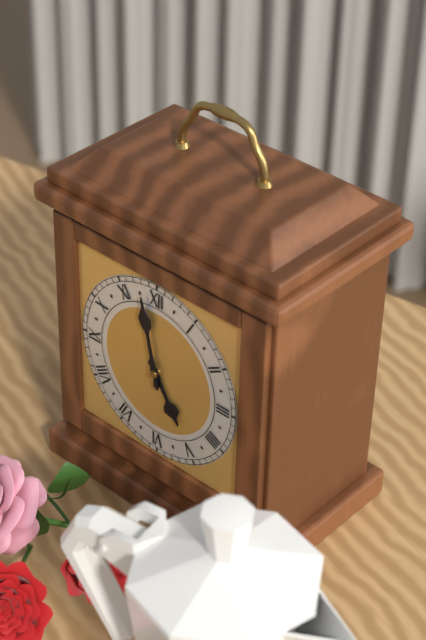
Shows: 4h58
